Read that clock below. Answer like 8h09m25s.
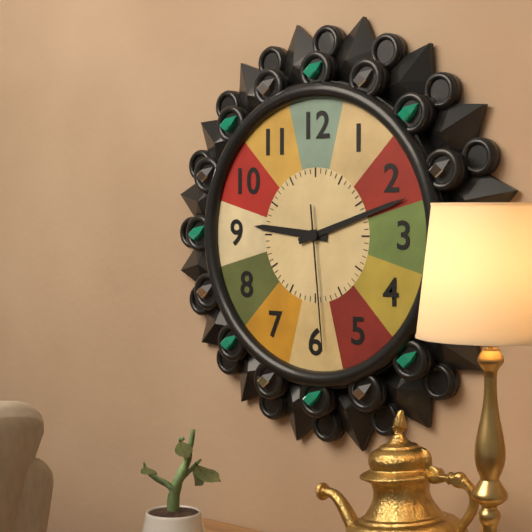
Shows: 9h12m29s
